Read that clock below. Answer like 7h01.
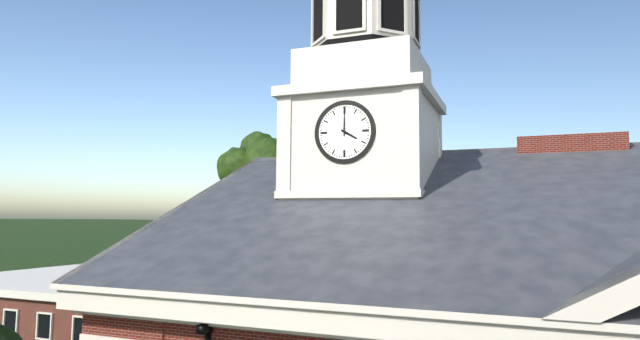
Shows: 4h00
